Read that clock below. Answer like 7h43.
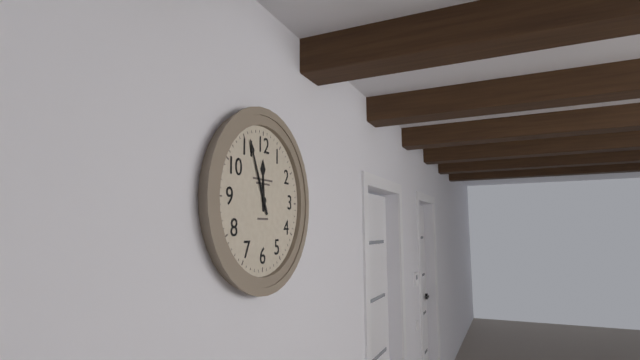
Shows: 11h56
